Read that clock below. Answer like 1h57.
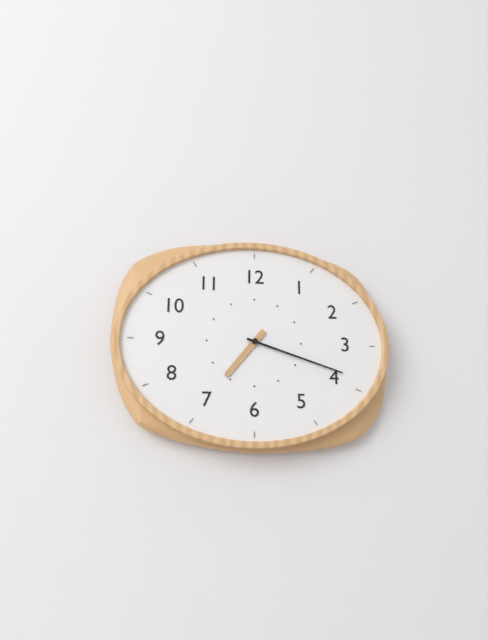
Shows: 7h18
